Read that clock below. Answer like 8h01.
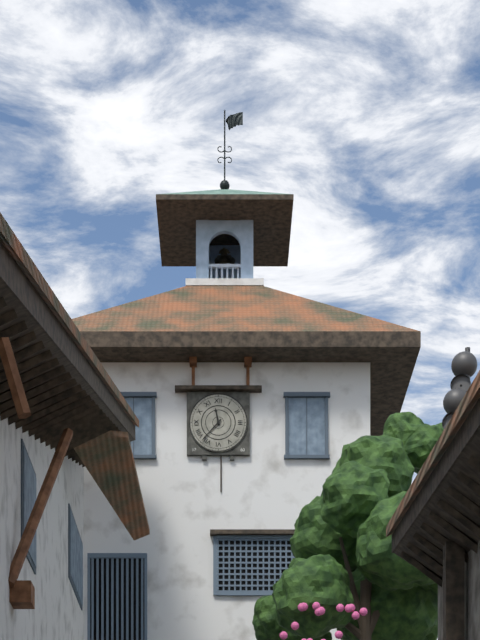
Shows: 11h37
